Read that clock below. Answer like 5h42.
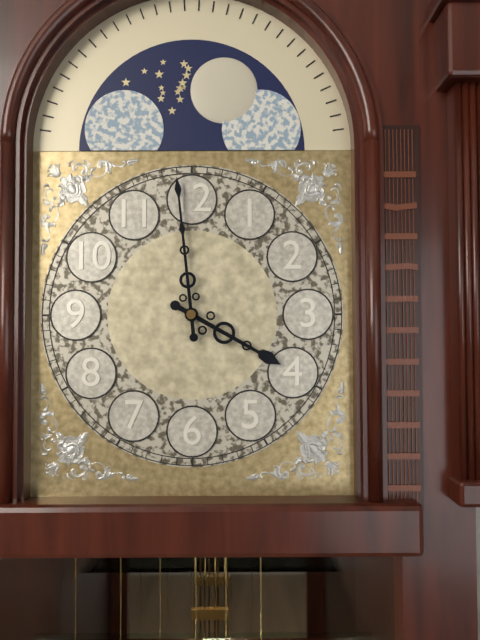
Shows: 3h59
